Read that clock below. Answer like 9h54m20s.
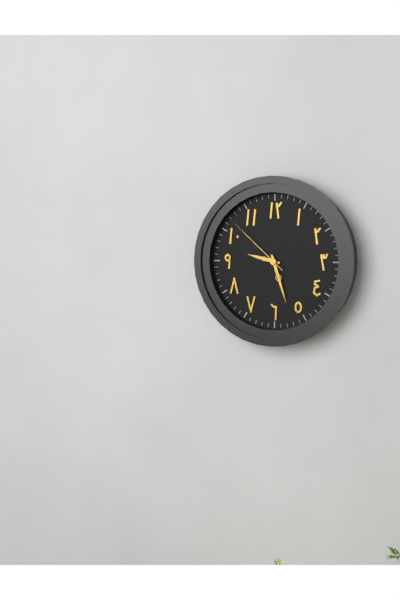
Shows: 9h27m52s
